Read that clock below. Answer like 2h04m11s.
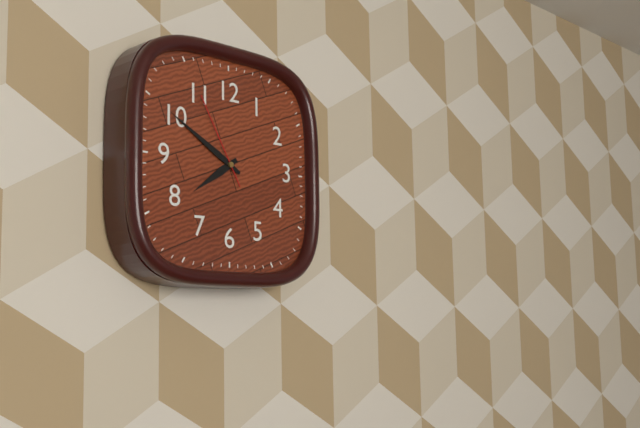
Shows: 7h50m55s
